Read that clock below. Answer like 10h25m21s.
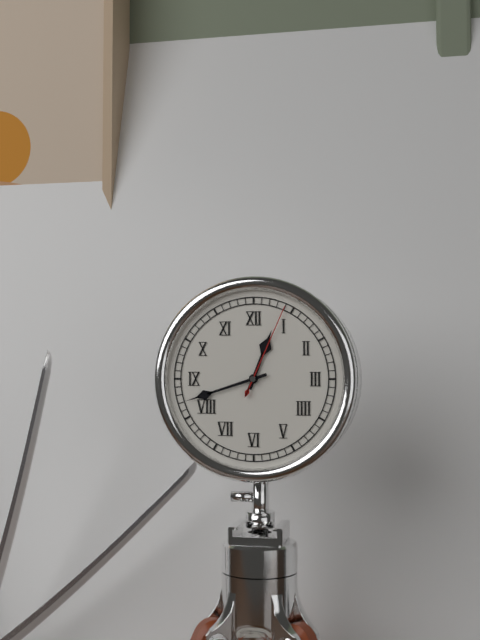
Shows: 12h42m04s
